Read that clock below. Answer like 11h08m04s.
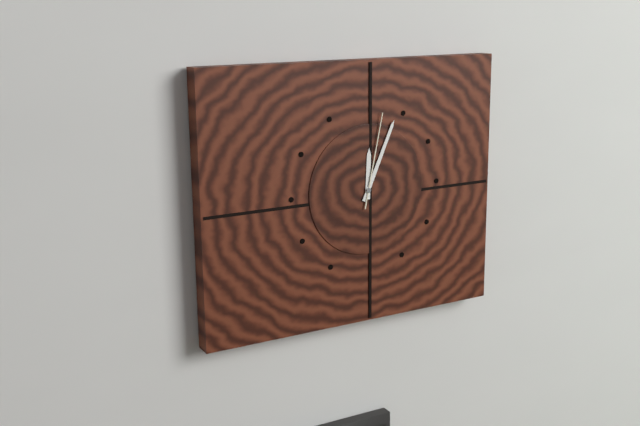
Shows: 12h04m02s
